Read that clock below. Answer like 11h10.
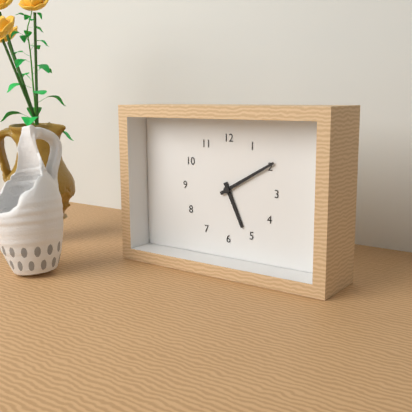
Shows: 5h10
